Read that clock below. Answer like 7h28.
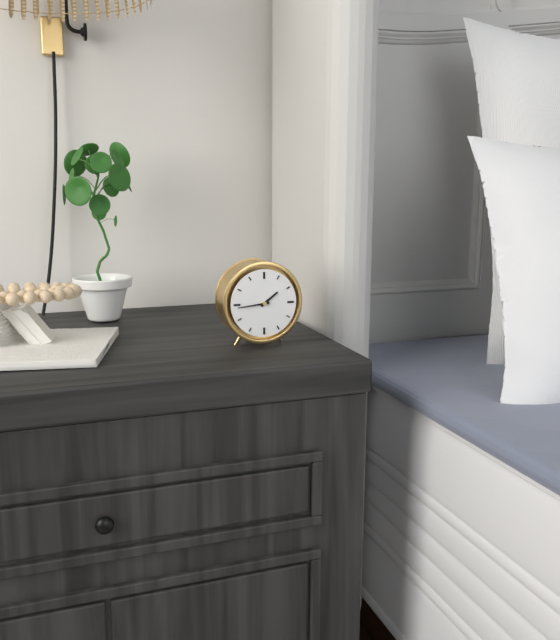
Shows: 1h44
